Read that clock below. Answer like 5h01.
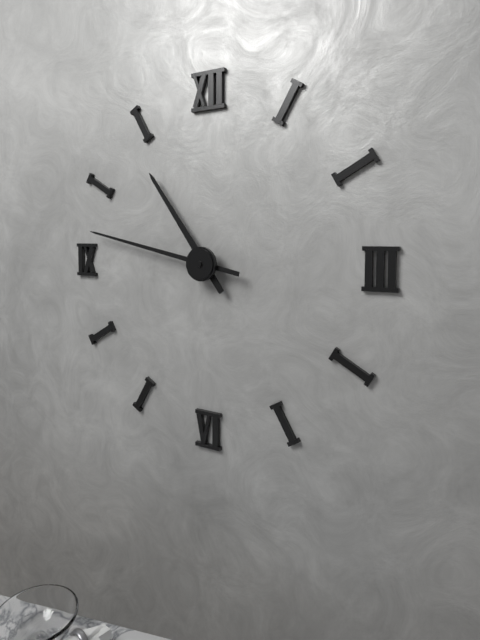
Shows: 10h47
